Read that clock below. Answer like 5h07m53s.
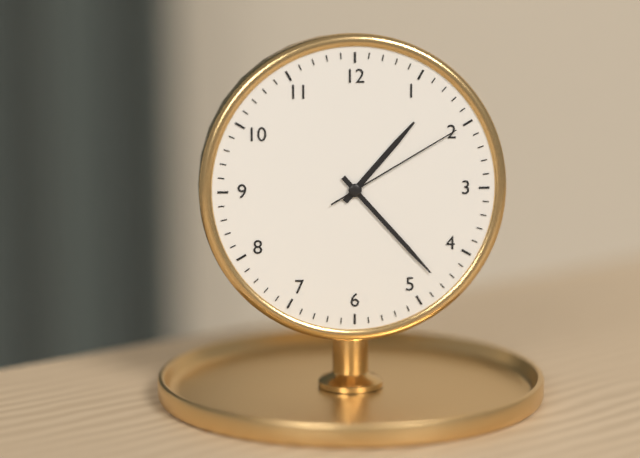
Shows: 1h23m10s
